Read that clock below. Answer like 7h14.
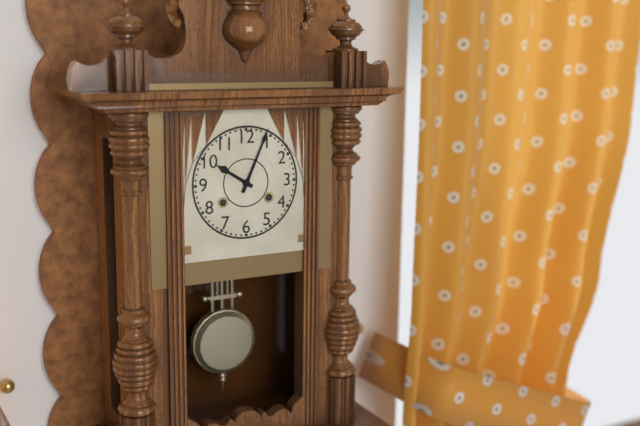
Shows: 10h04
